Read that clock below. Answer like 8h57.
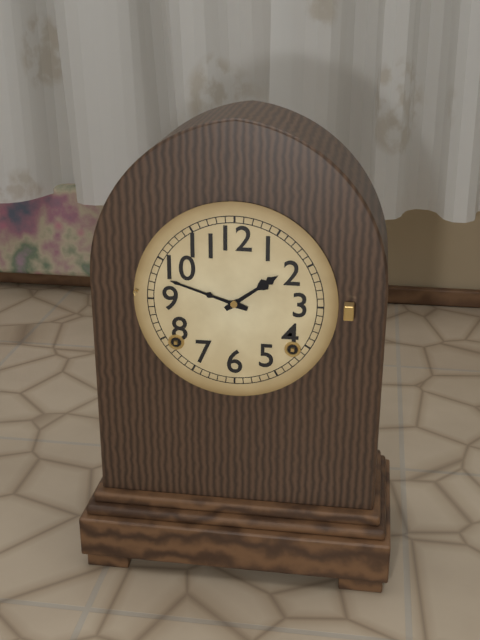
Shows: 1h48
